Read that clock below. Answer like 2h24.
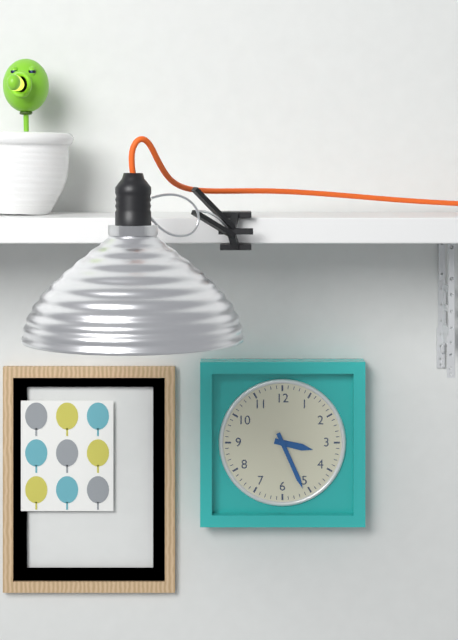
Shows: 3h26
